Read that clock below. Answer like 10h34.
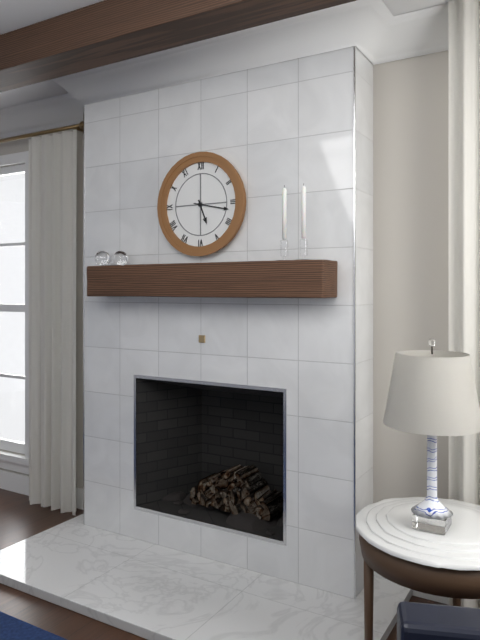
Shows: 5h17
